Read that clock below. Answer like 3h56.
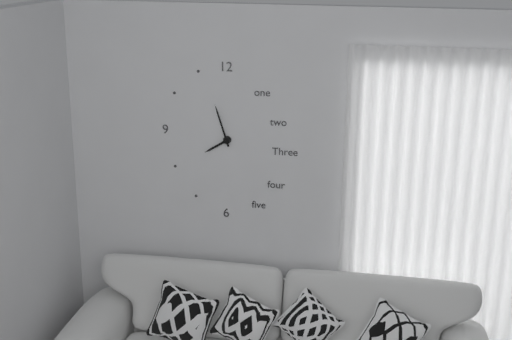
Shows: 7h57
